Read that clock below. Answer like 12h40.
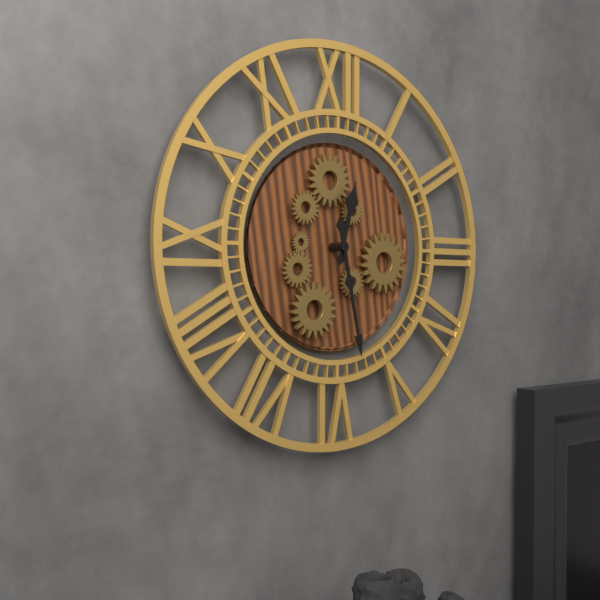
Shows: 12h28
